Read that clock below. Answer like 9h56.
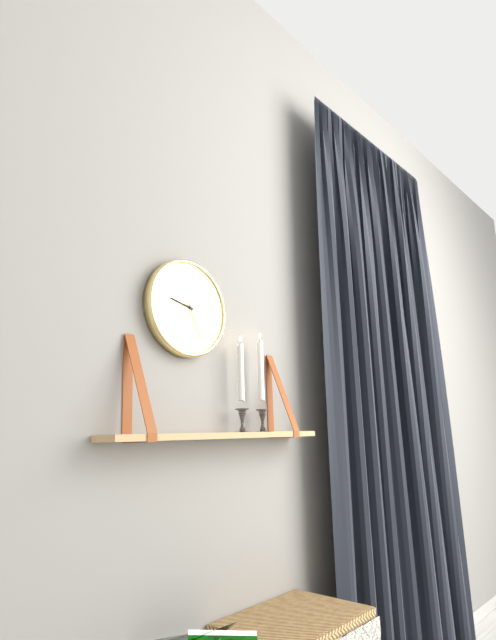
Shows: 9h26
